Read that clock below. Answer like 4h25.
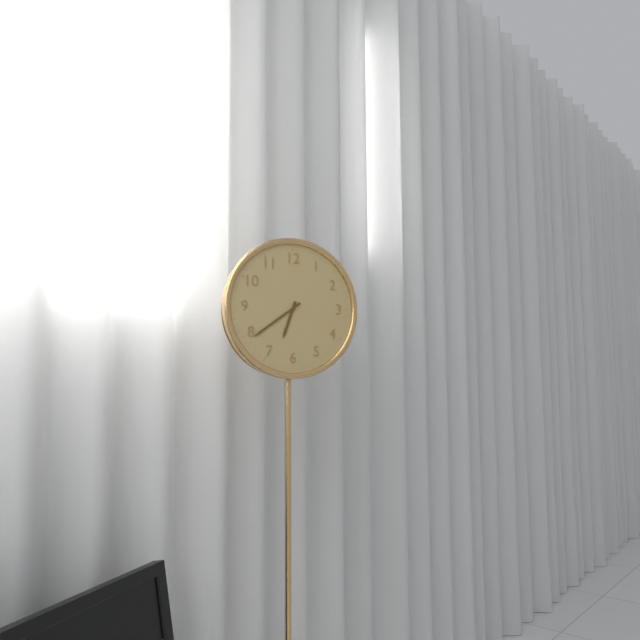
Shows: 6h39
